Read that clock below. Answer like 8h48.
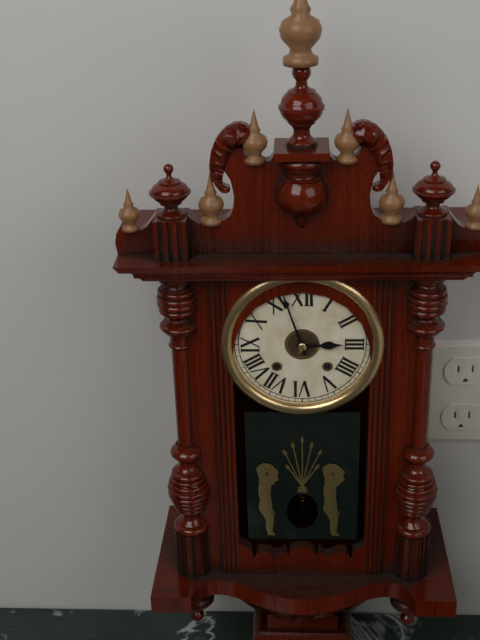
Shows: 2h57
